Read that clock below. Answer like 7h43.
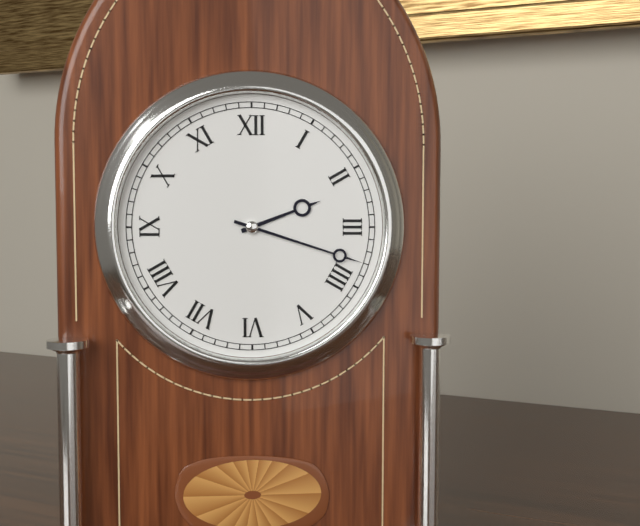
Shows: 2h18
